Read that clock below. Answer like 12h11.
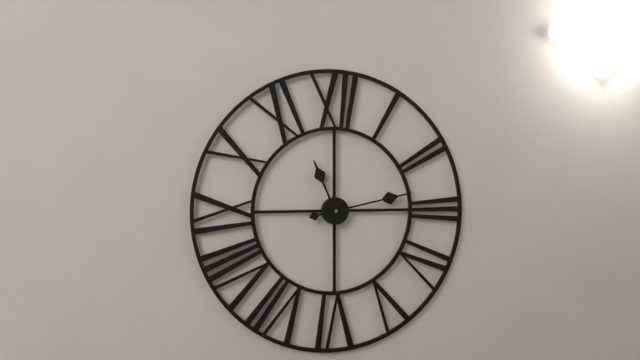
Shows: 11h13
